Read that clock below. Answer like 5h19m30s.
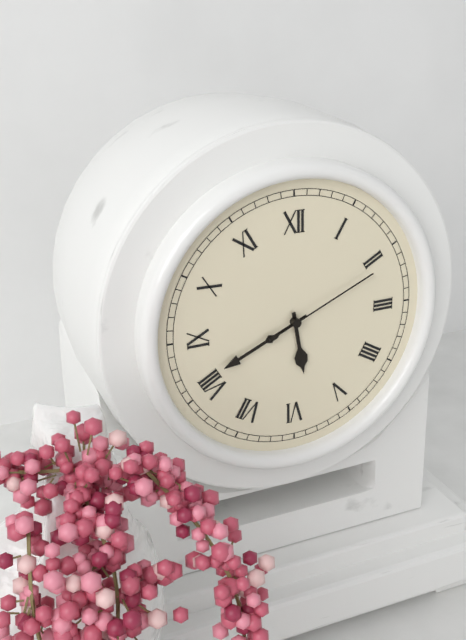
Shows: 5h41m11s
